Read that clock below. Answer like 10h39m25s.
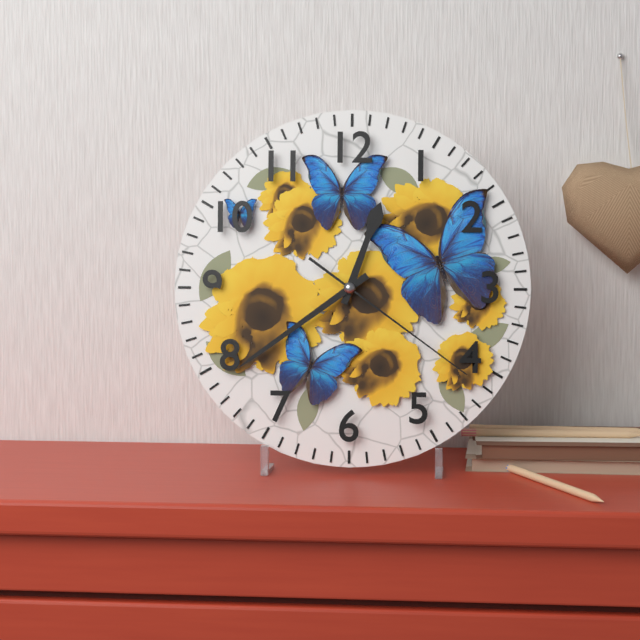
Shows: 12h39m21s
